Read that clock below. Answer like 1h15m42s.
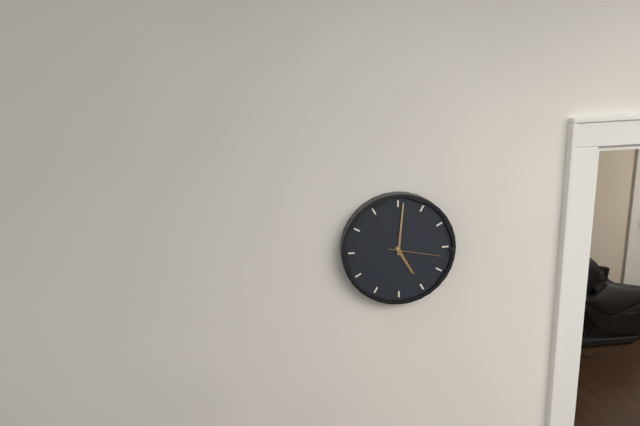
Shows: 5h01m17s
